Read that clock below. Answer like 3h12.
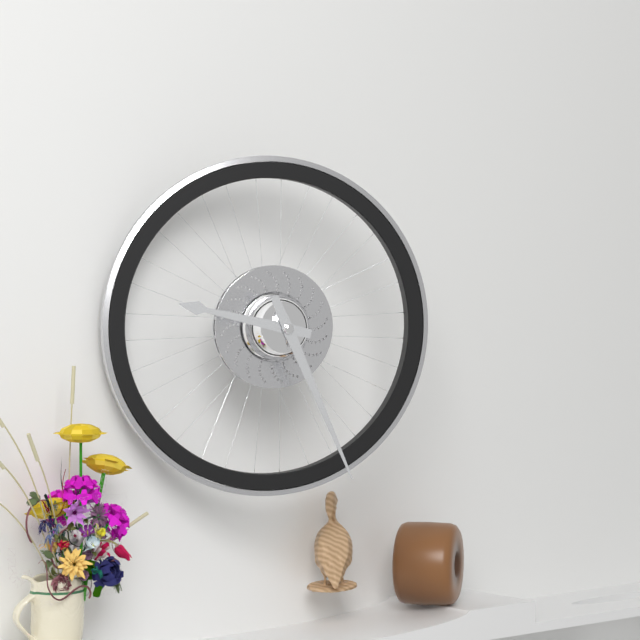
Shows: 9h26
